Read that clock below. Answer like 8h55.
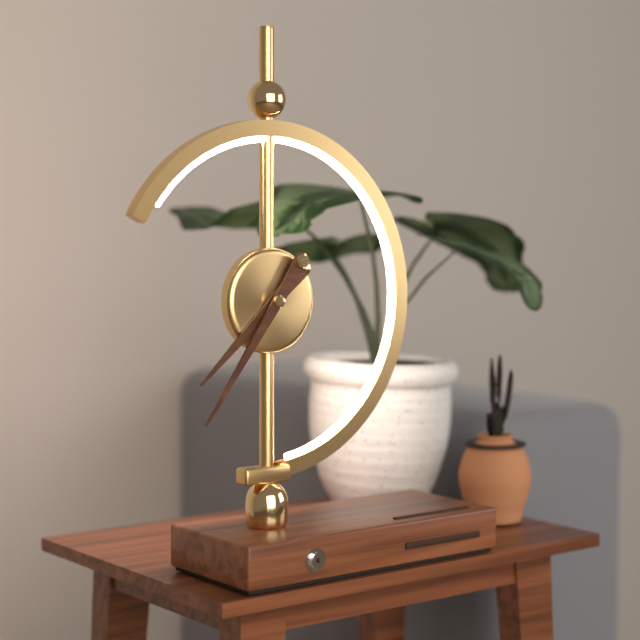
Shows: 7h36
